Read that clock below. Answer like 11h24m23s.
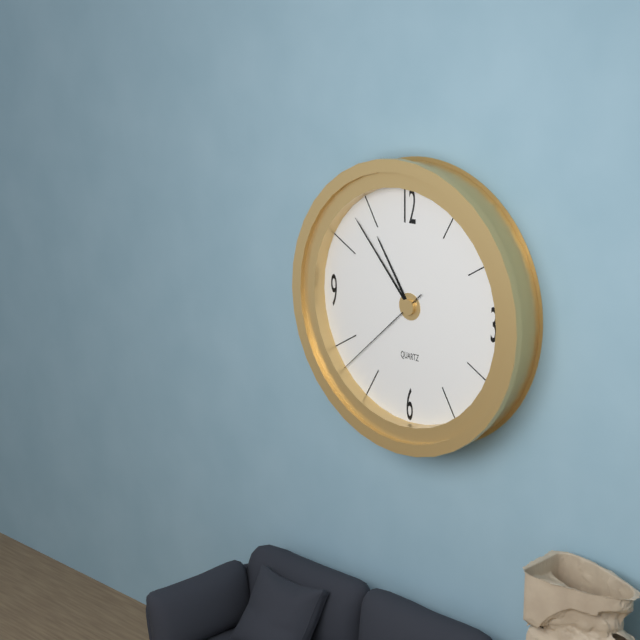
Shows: 10h53m38s
